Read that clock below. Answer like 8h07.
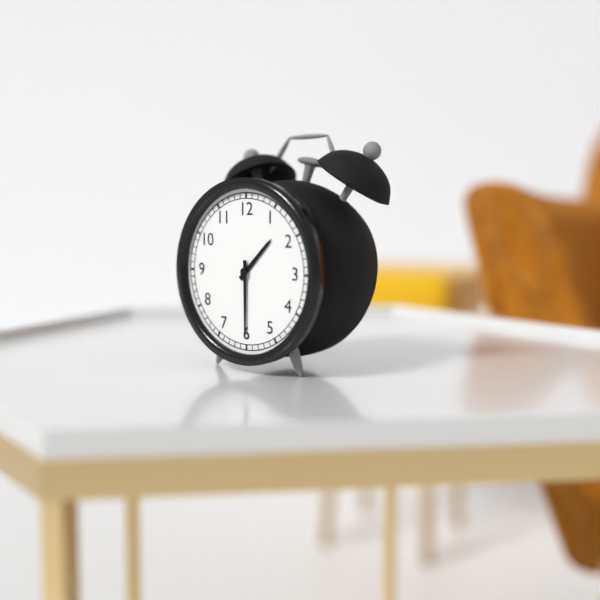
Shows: 1h30
